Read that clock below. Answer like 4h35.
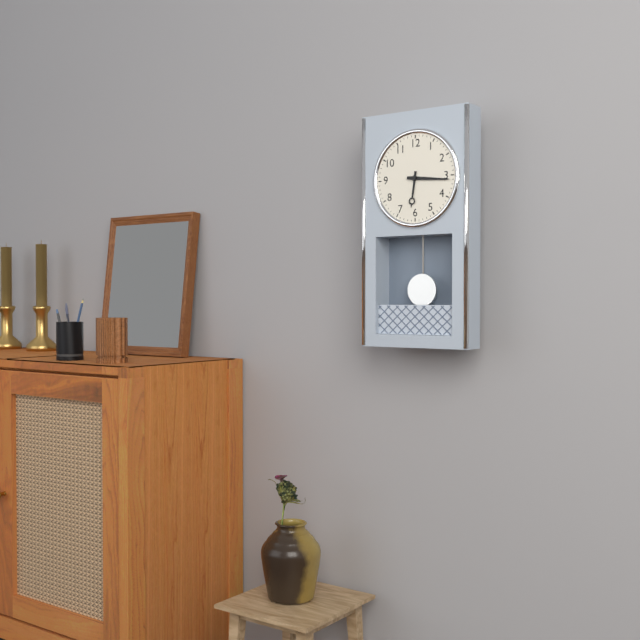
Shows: 6h16
